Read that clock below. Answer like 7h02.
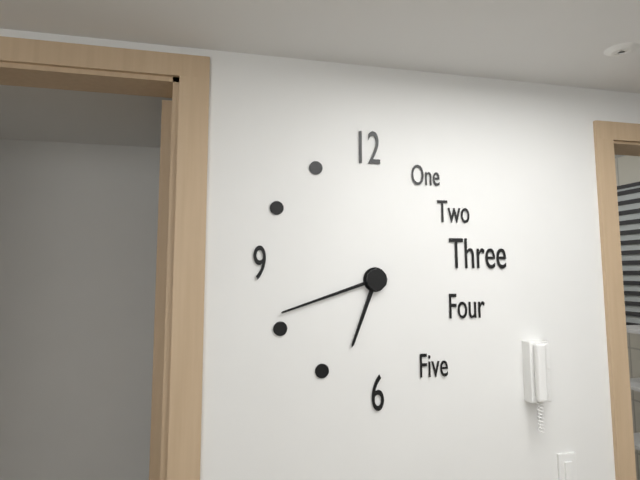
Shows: 6h42
